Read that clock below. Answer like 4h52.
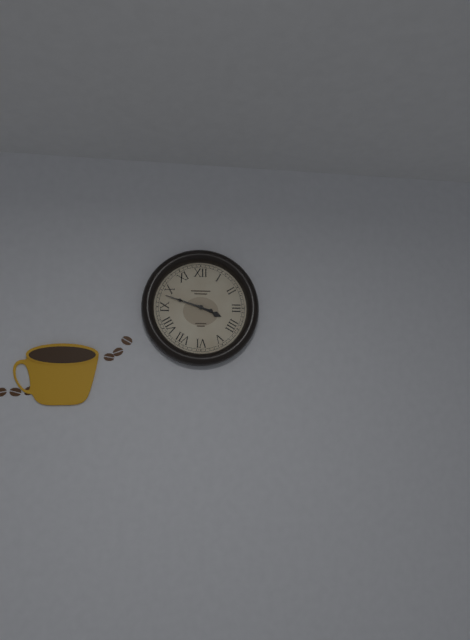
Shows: 3h48
